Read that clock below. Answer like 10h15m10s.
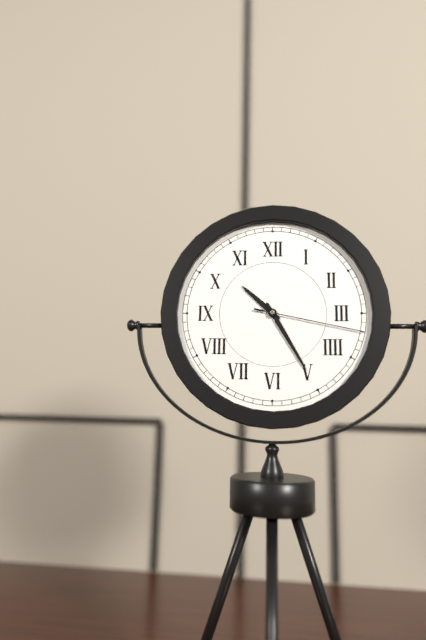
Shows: 10h25m17s
